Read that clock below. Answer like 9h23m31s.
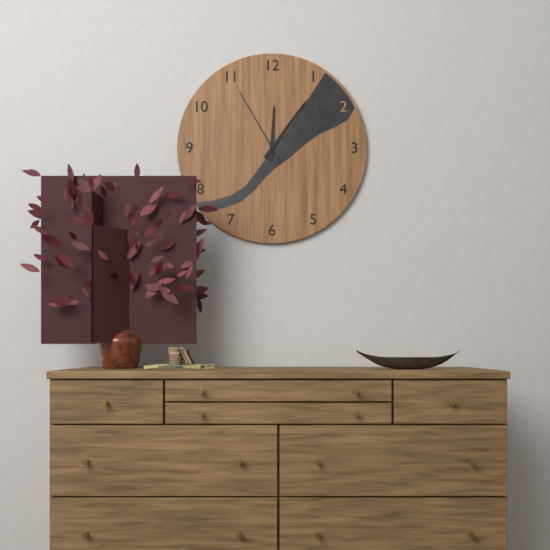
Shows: 12h06m55s
